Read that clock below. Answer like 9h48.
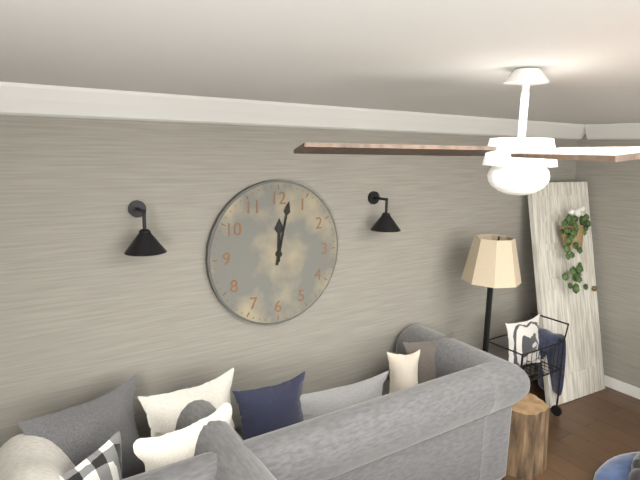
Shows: 12h02
